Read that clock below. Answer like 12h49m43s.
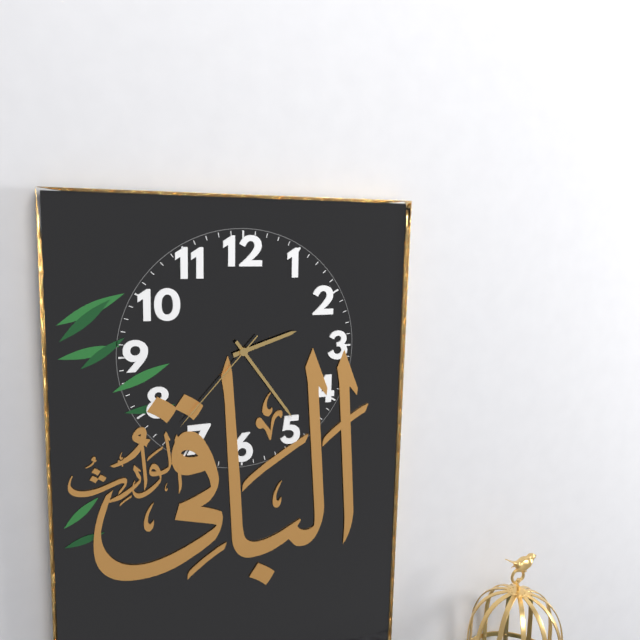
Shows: 2h24m37s
